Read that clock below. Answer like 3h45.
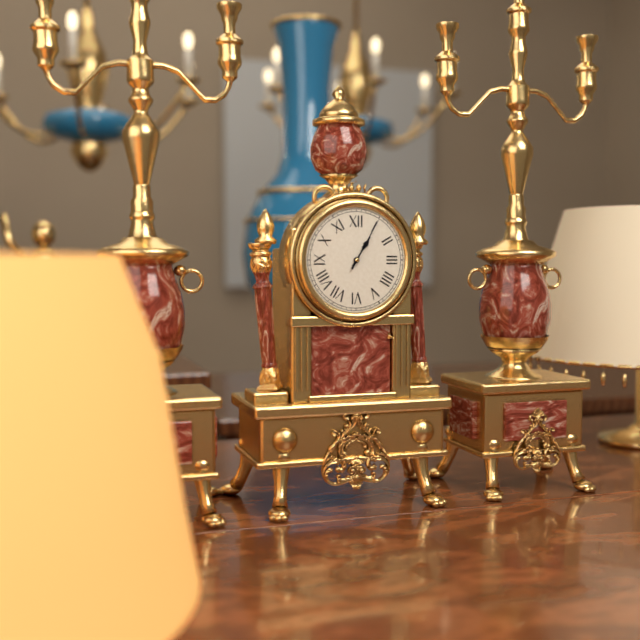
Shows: 1h05
